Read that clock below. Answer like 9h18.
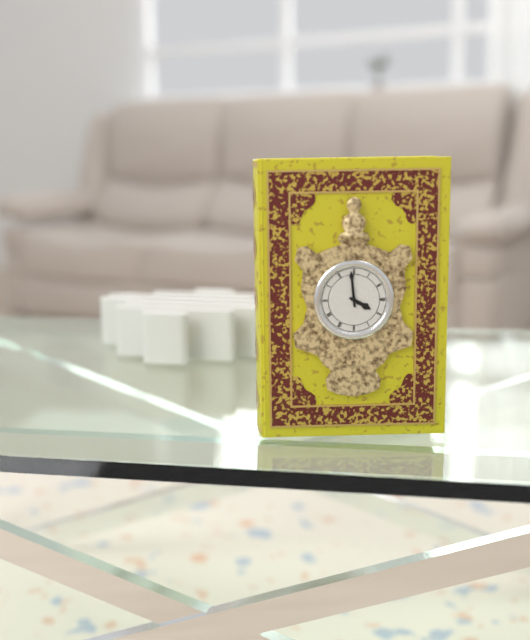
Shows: 3h59
